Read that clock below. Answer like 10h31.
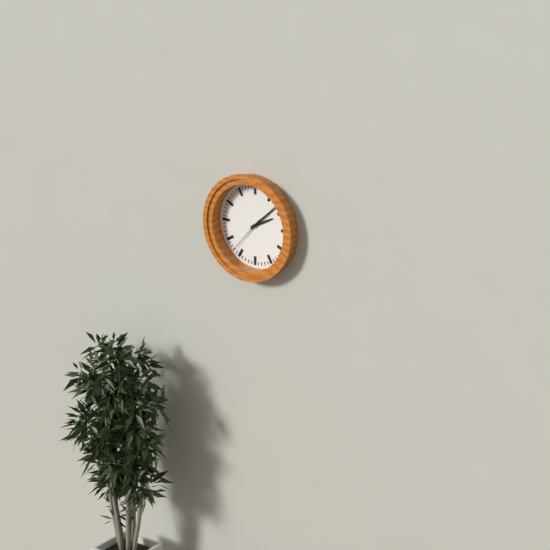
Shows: 2h08
